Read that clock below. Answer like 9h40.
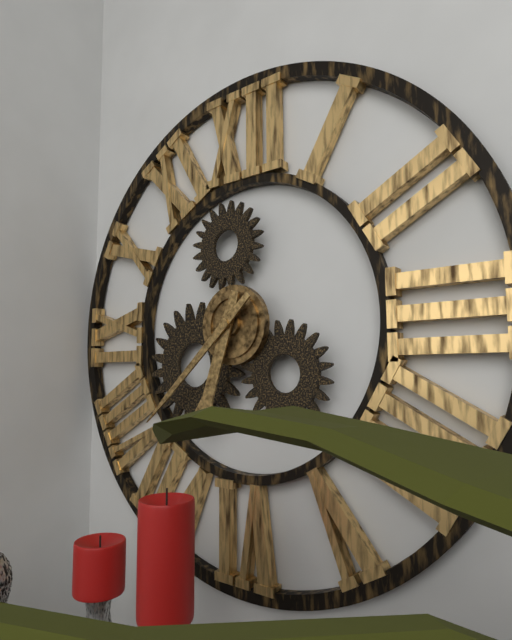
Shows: 6h38
